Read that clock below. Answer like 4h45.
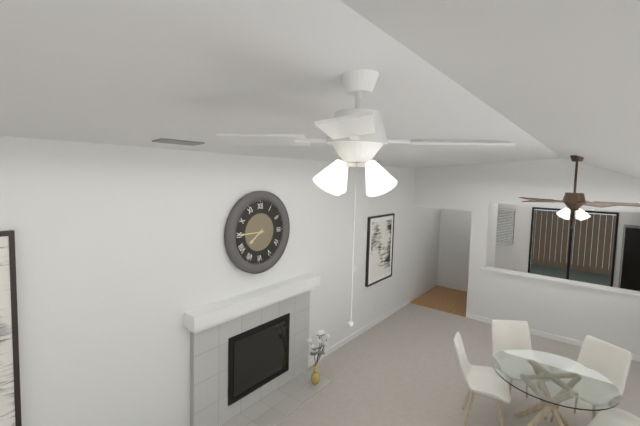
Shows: 7h45
